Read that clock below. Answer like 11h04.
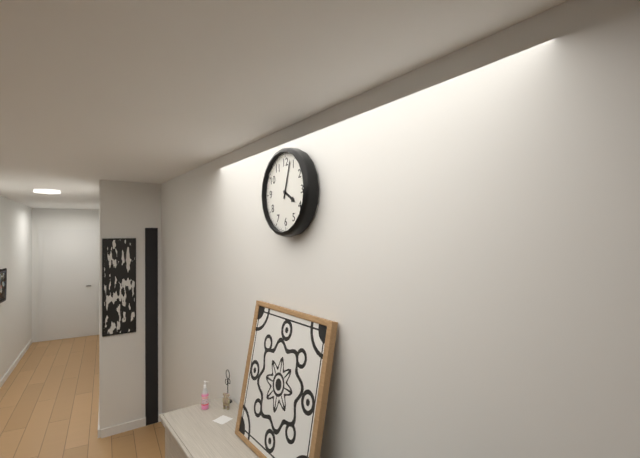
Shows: 4h03
